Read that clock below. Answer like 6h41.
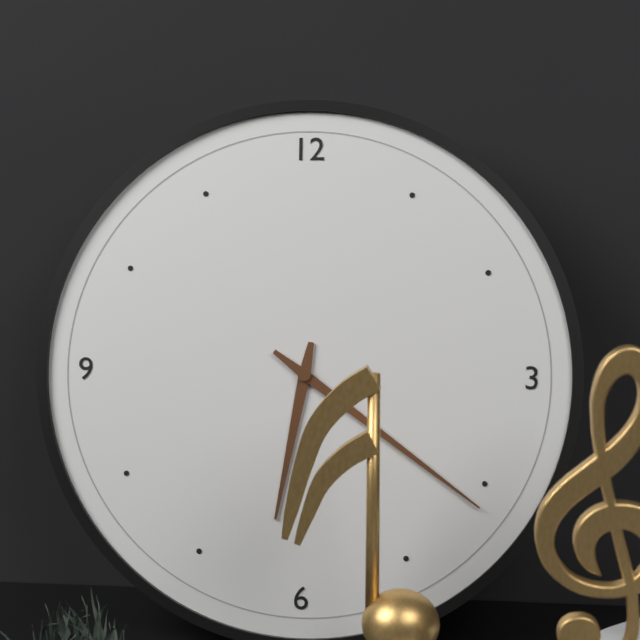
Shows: 6h21
